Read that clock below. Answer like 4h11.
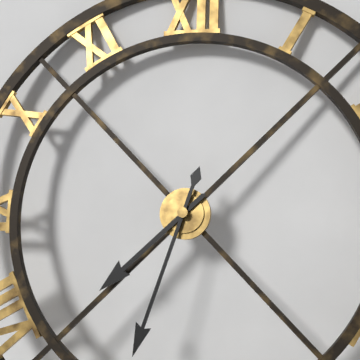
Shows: 7h33
